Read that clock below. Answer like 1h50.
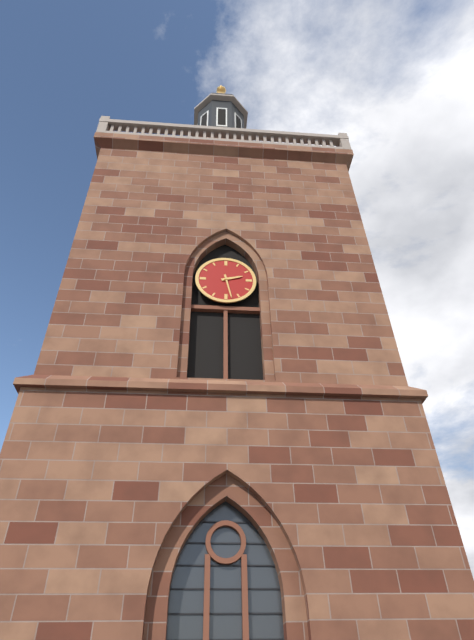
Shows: 2h28
